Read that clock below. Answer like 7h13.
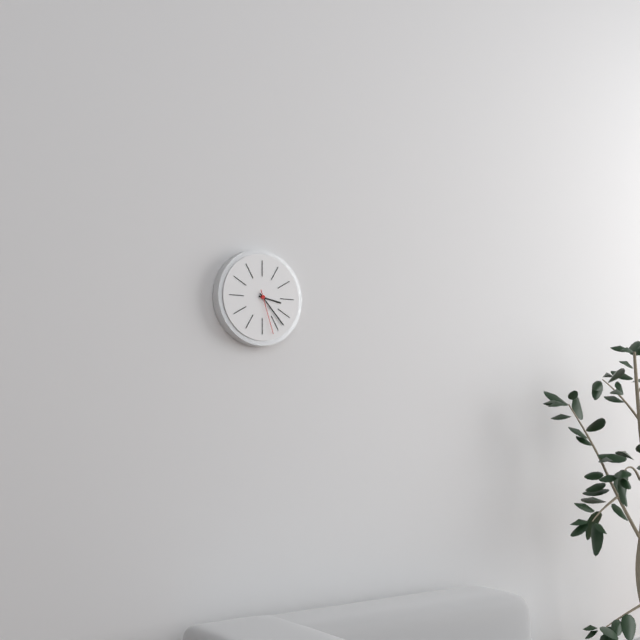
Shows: 3h23
